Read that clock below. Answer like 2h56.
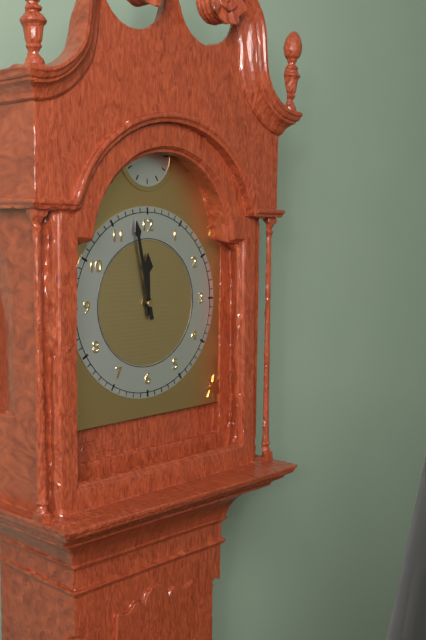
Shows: 11h58
